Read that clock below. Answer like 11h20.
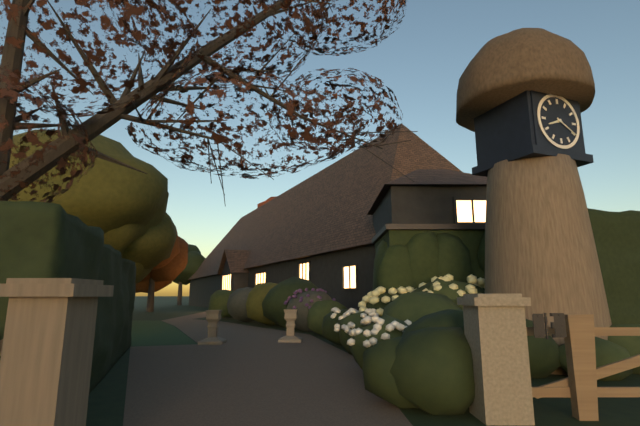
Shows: 8h20
